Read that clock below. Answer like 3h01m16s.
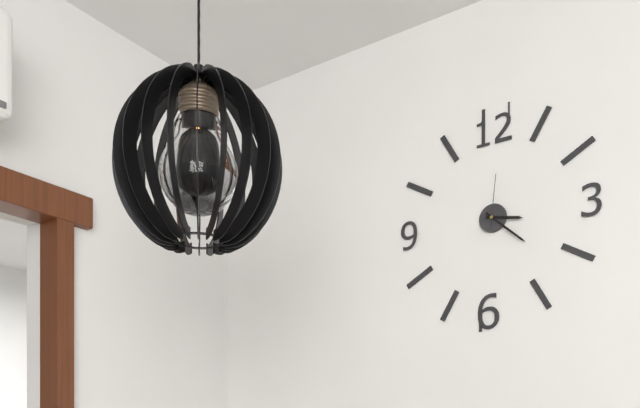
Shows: 3h22m01s
